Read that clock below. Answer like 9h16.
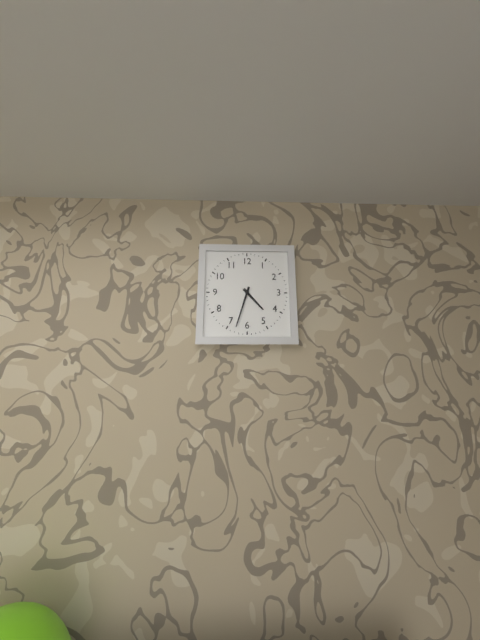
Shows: 4h33
